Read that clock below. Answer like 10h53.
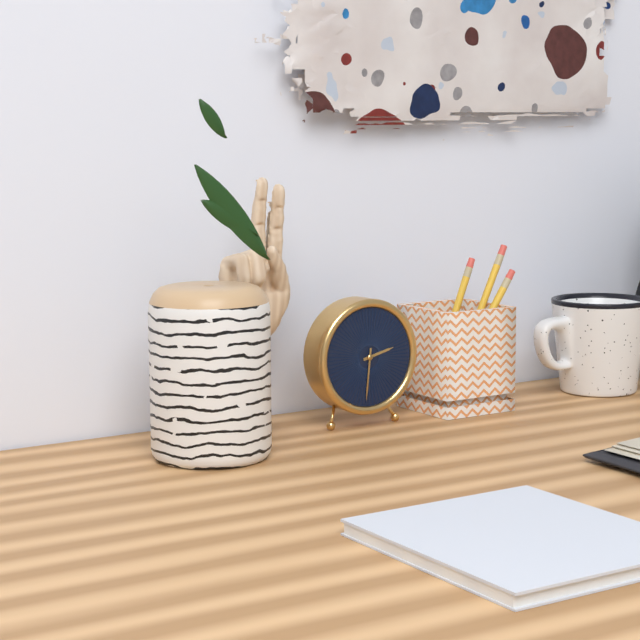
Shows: 2h31
